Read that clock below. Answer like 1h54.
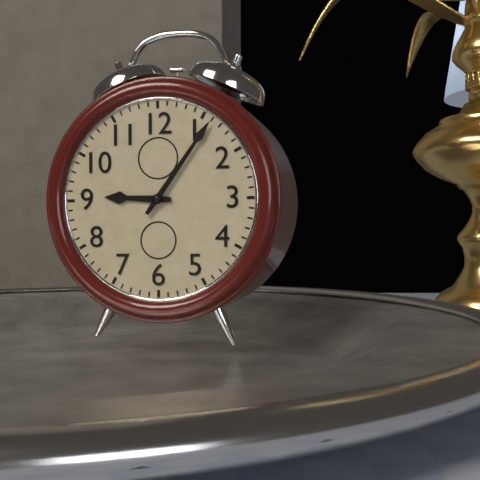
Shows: 9h06
